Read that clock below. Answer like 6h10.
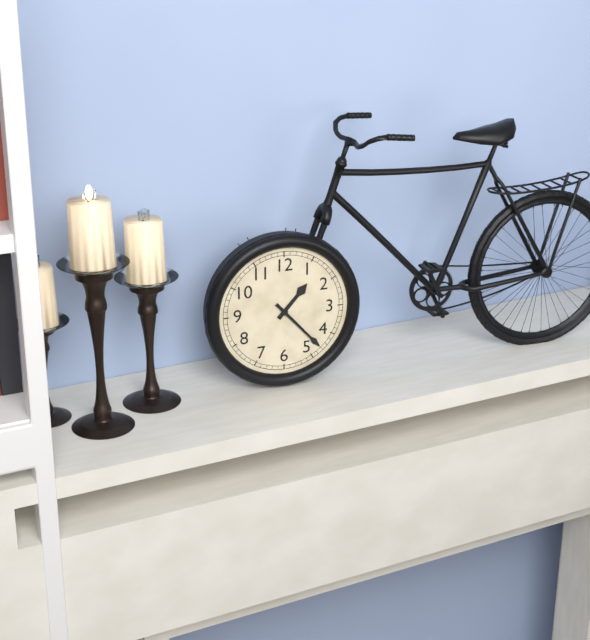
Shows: 1h23
